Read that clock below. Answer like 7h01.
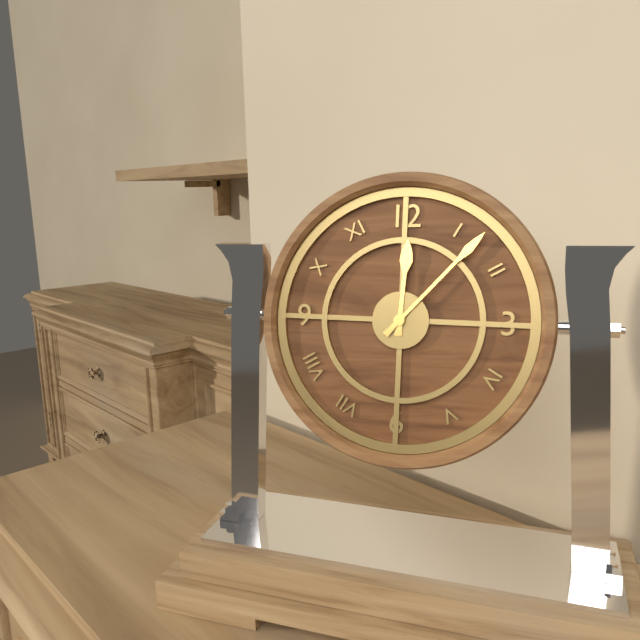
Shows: 12h07
